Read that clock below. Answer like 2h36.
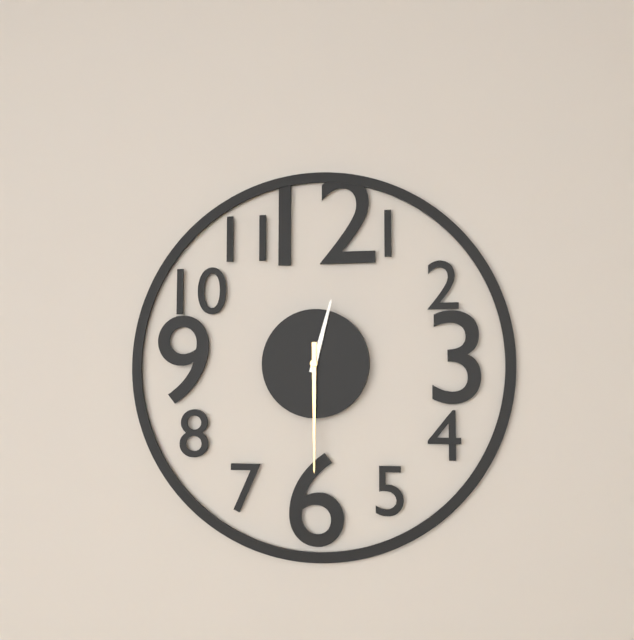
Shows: 12h30
